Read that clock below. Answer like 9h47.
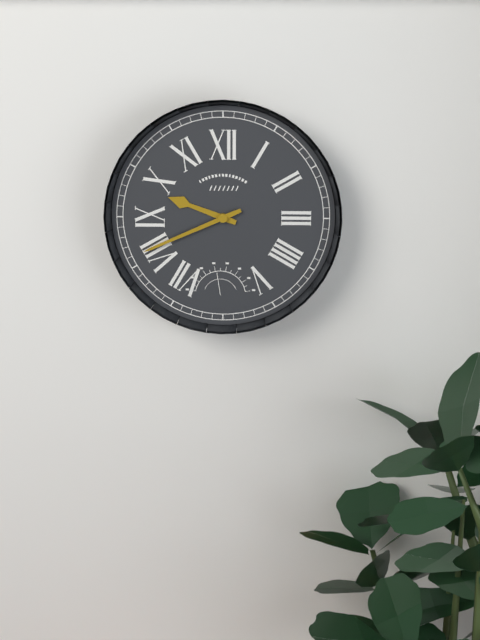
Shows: 9h41
